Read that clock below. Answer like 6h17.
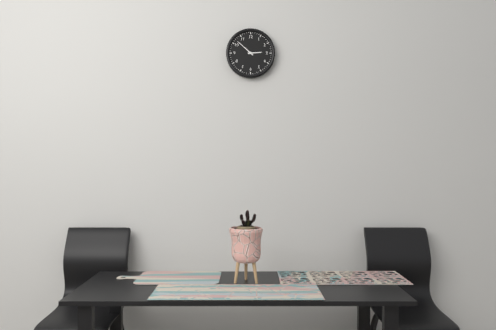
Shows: 2h52
